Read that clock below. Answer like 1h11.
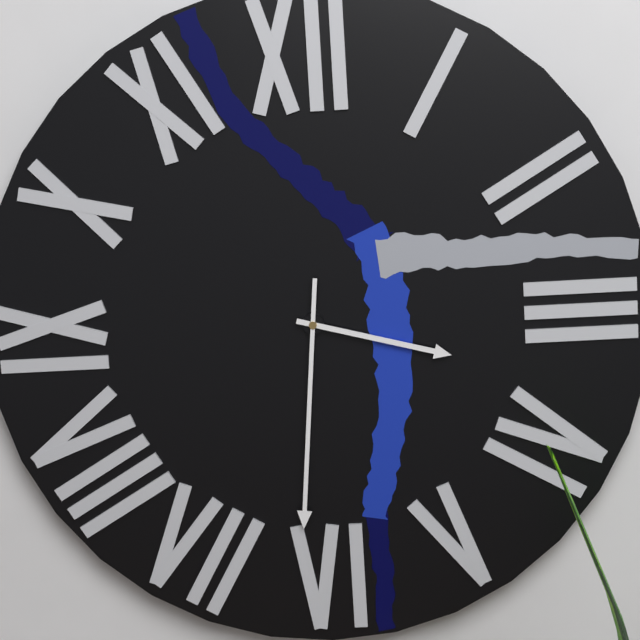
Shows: 3h31
